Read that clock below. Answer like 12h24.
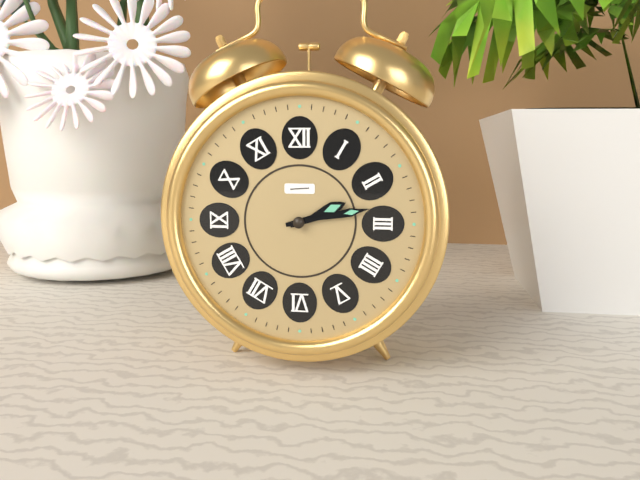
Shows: 2h13
